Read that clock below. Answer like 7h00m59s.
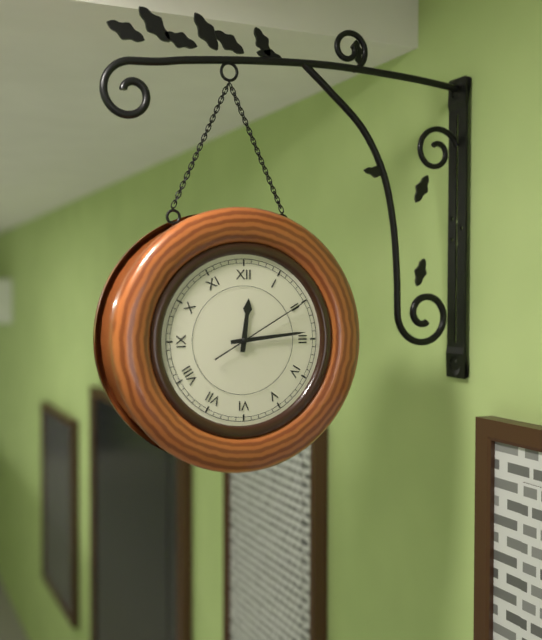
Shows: 12h14m10s
